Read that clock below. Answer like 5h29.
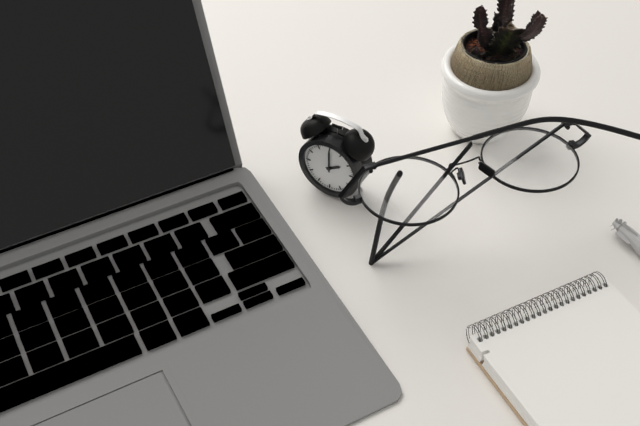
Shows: 2h00
